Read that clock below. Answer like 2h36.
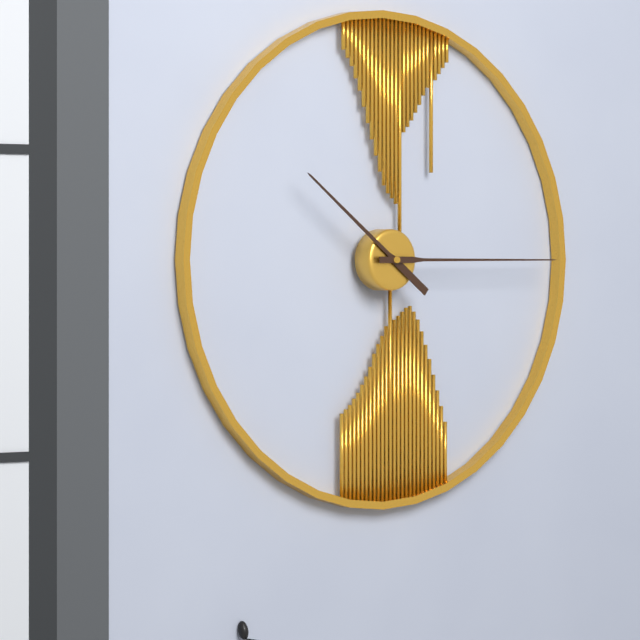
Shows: 10h15
